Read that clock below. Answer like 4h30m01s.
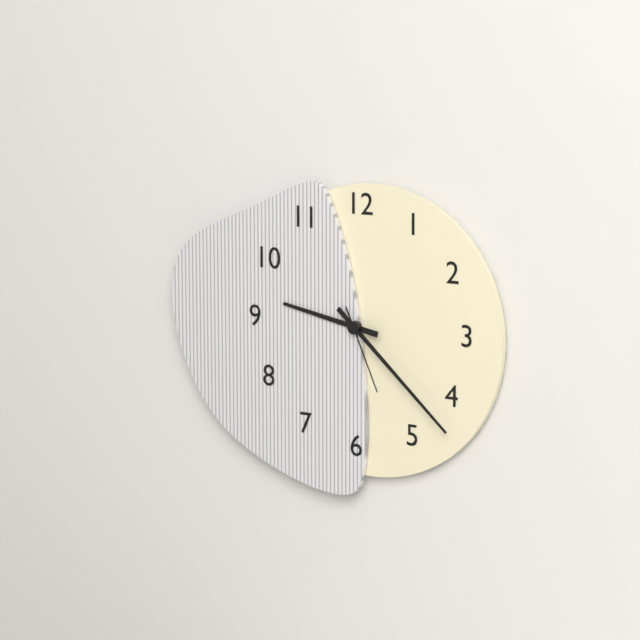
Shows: 9h22m26s
